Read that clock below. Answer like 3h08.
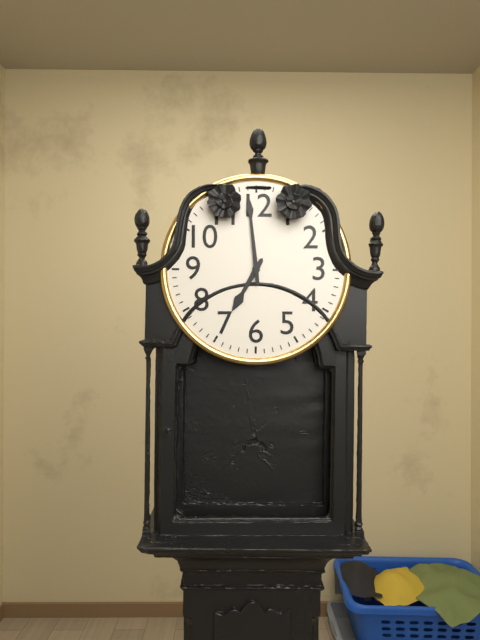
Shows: 6h59
